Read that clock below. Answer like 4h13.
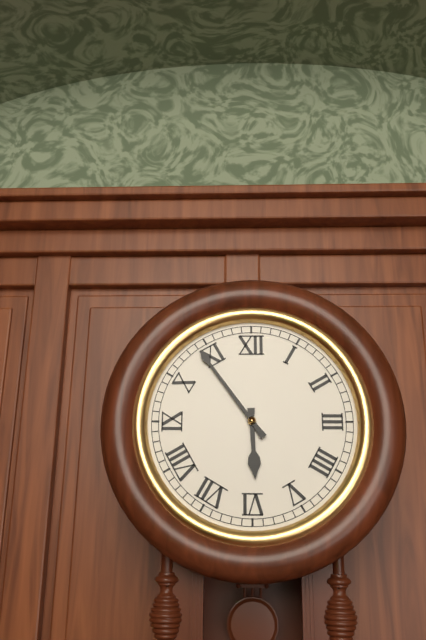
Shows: 5h54
